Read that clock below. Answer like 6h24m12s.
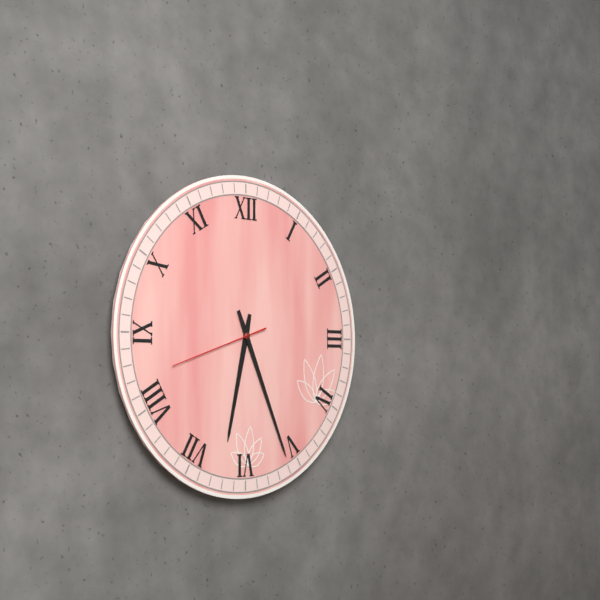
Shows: 6h26m42s
